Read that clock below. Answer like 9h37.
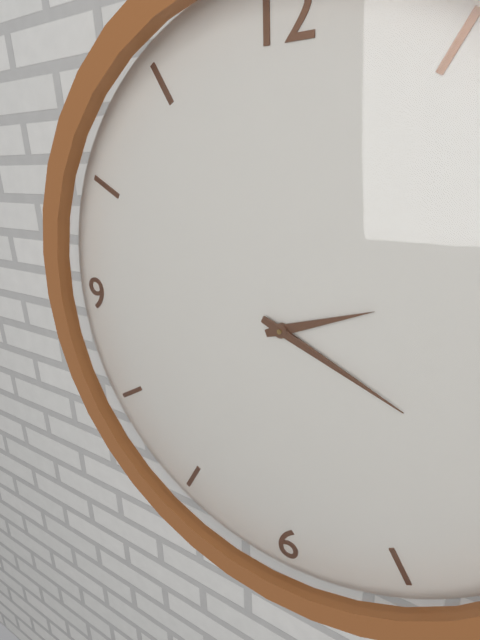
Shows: 2h19
